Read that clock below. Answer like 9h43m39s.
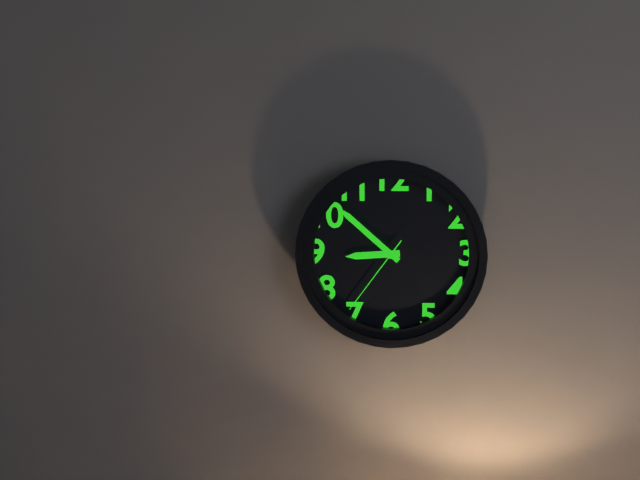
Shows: 8h52m36s
